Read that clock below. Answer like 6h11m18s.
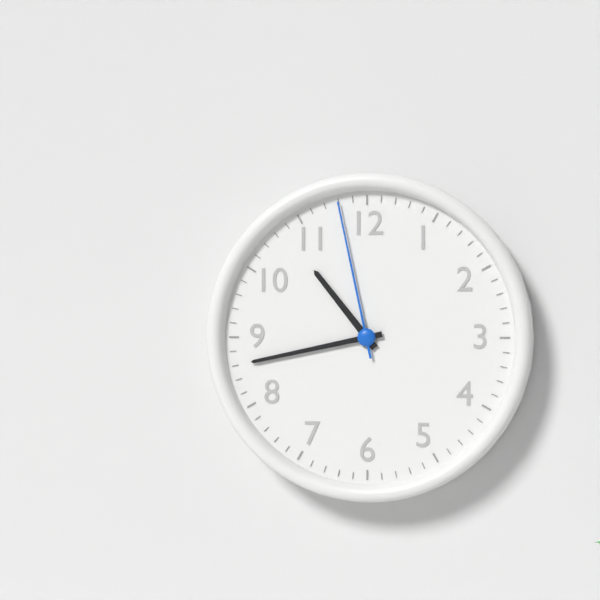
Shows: 10h43m58s
